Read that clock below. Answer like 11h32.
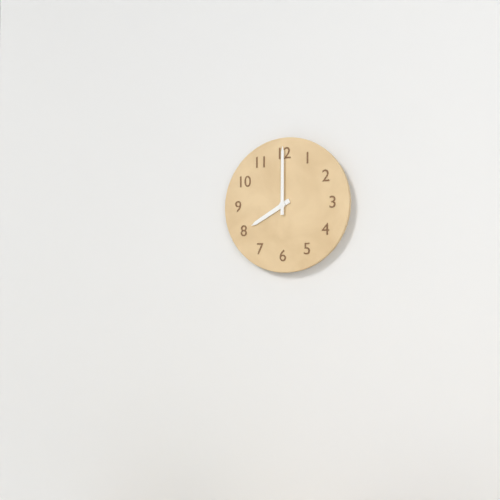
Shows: 8h00
